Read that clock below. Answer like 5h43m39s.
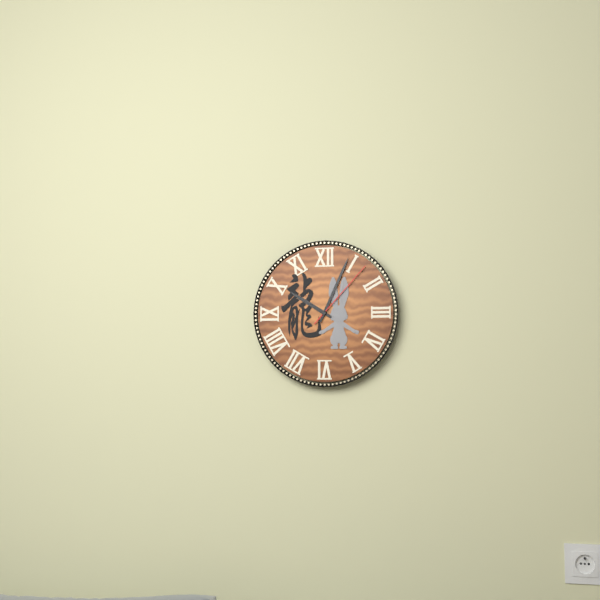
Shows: 10h04m07s
